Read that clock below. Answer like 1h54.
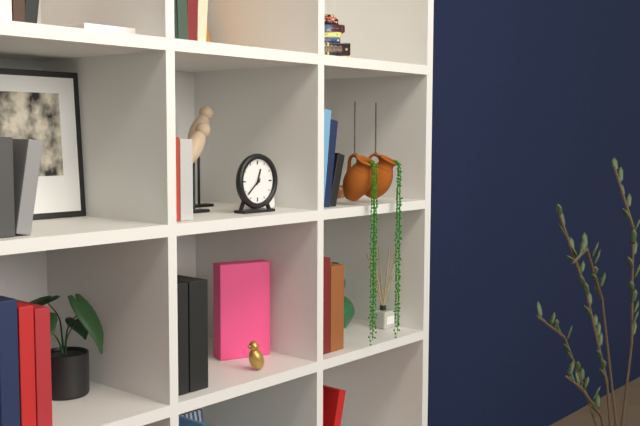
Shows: 12h38
